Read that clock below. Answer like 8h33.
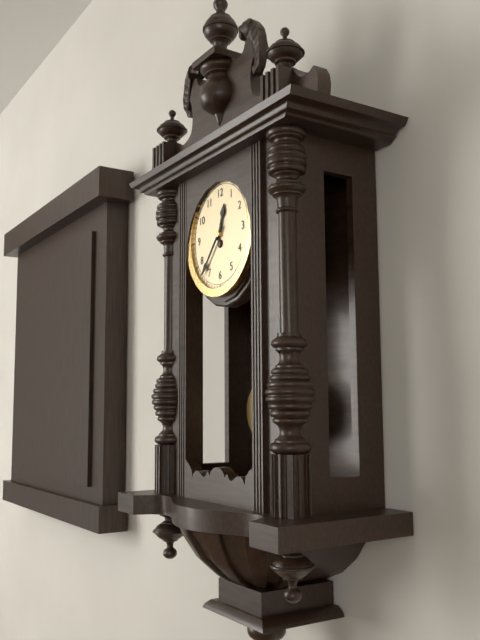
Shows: 12h37
